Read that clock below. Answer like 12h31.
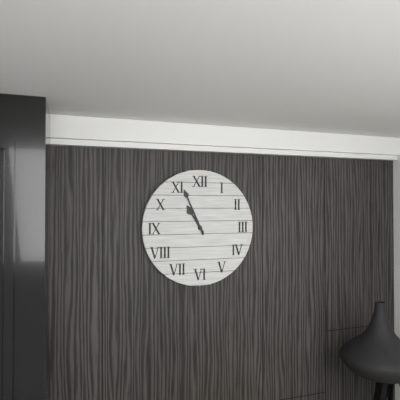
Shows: 10h56
